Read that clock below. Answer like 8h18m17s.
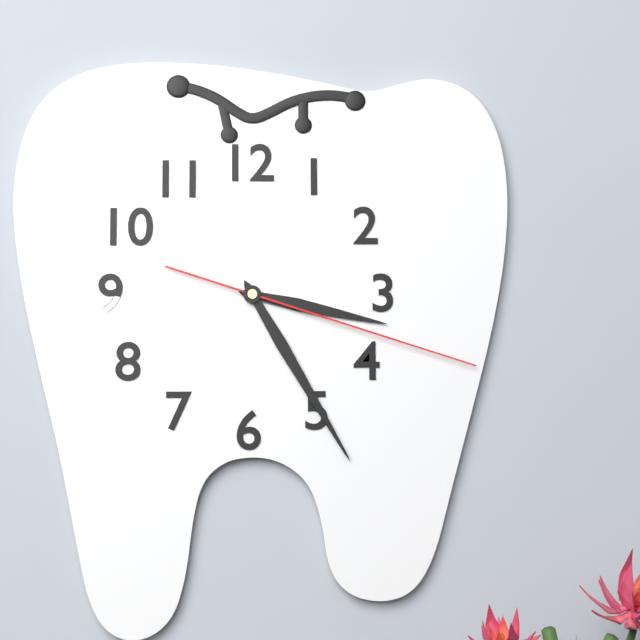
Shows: 3h25m18s
